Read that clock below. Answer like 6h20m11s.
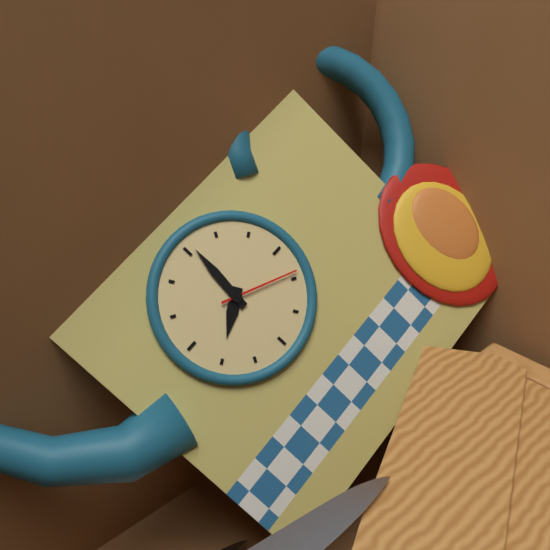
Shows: 8h01m19s
